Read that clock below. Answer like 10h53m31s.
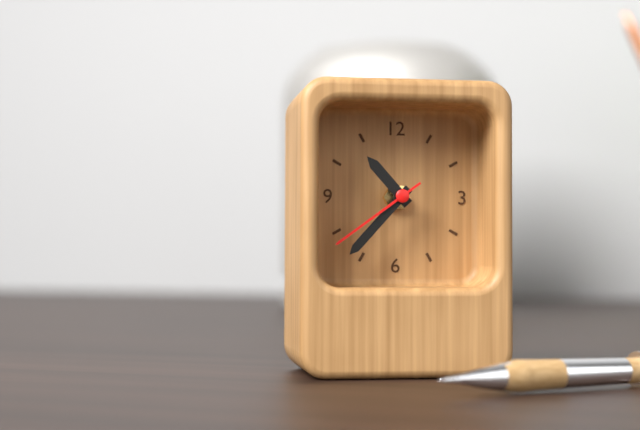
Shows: 10h37m39s
